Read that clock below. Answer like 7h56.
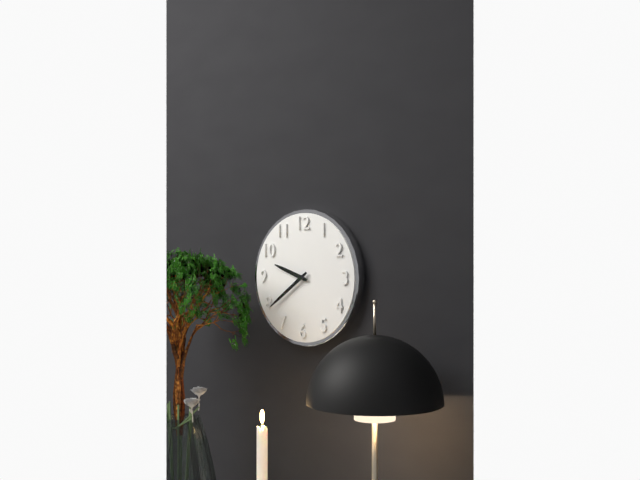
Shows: 9h39
